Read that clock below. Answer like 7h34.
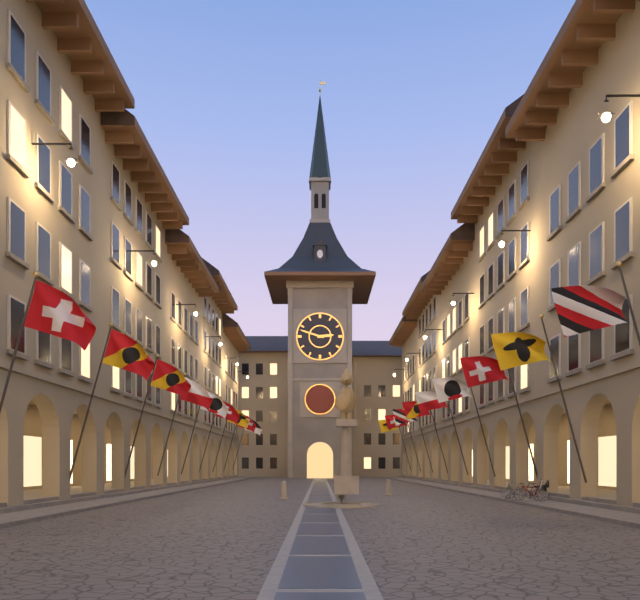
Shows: 2h48
